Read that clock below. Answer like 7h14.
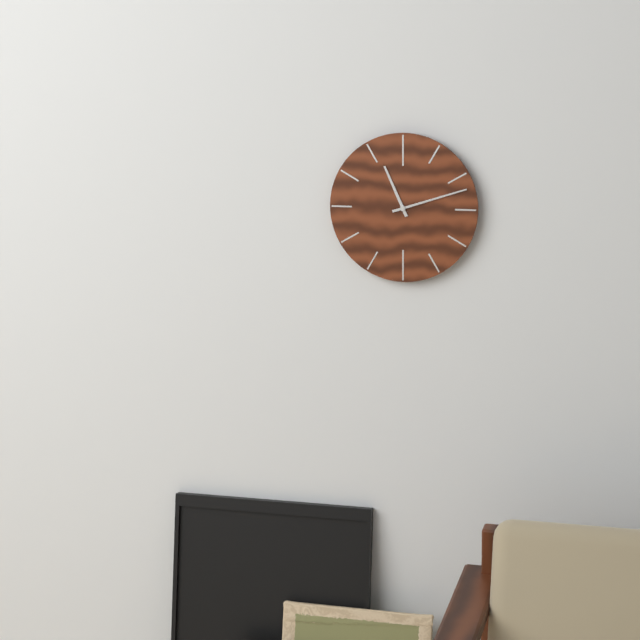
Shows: 11h12
